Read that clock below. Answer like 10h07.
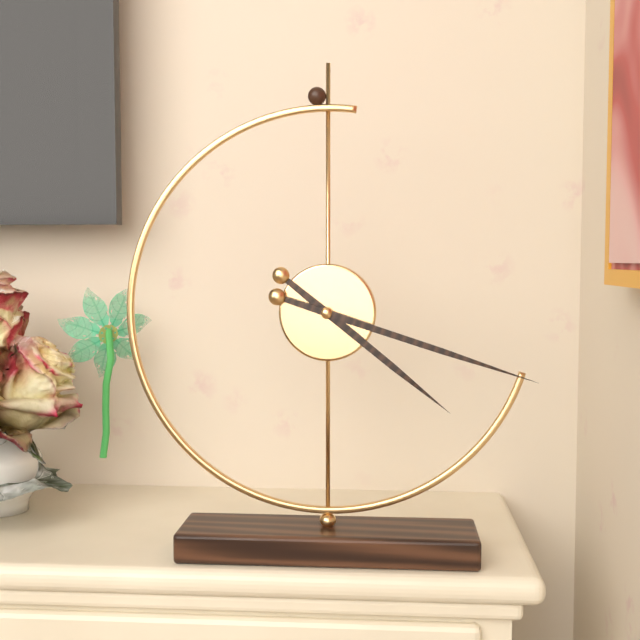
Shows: 4h18
